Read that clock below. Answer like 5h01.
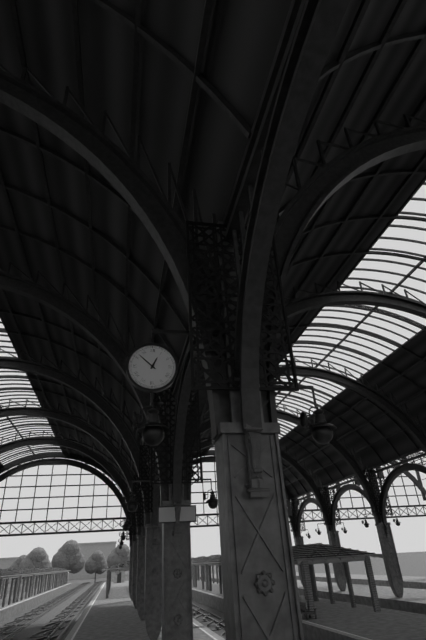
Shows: 12h52
